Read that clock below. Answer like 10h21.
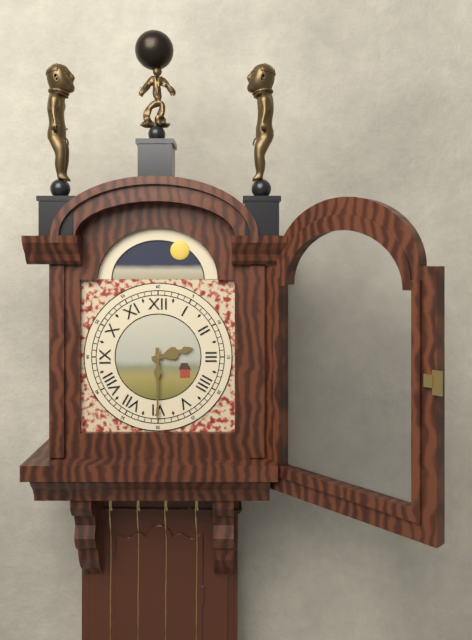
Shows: 2h30
